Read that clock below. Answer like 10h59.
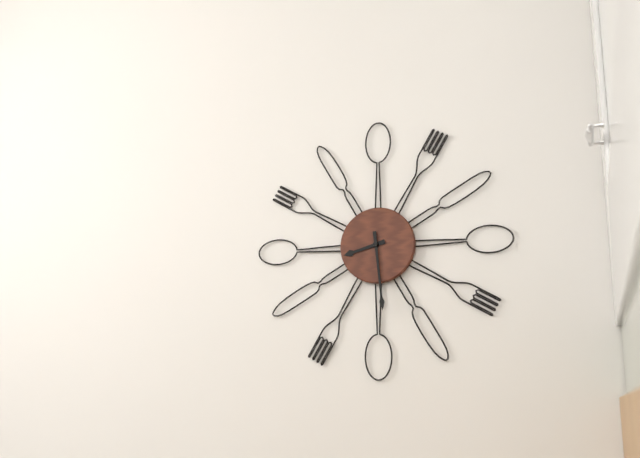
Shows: 8h29
